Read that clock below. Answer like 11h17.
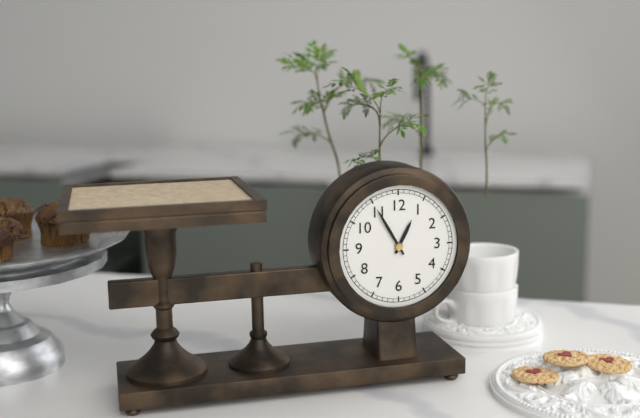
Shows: 12h55
